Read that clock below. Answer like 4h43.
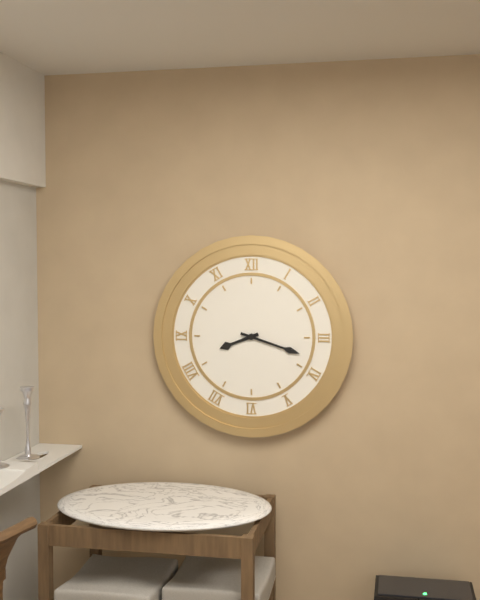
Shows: 8h18
